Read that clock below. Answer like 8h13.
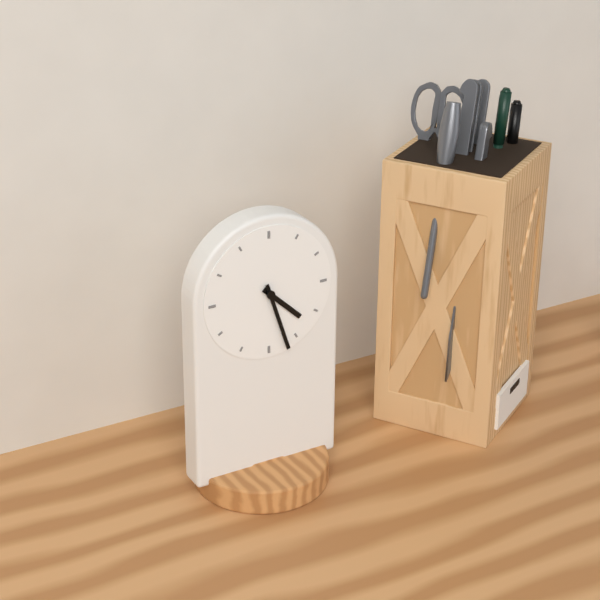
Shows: 4h27
